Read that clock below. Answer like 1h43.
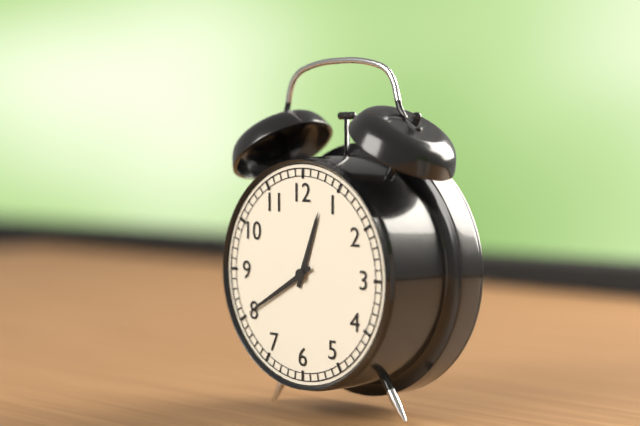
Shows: 12h40
